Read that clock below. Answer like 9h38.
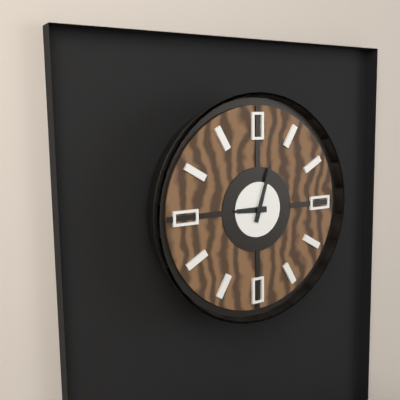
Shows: 9h03
